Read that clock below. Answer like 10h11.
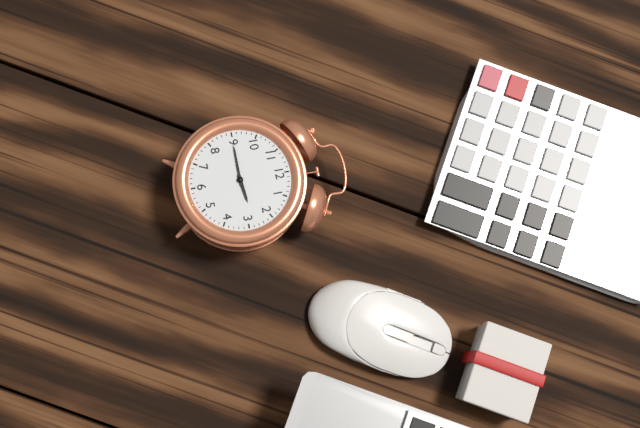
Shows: 2h45
